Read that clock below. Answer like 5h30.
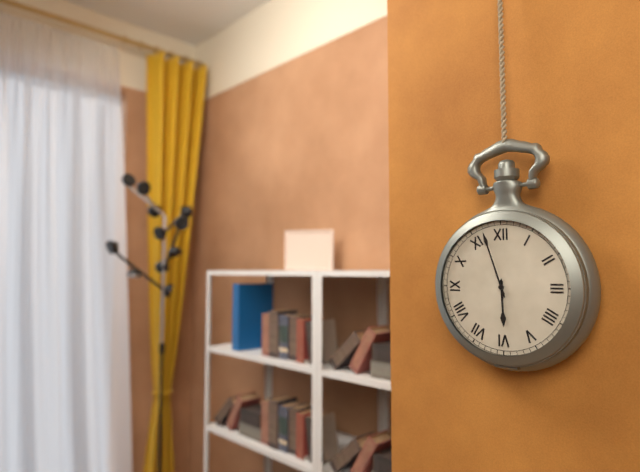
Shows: 5h57
